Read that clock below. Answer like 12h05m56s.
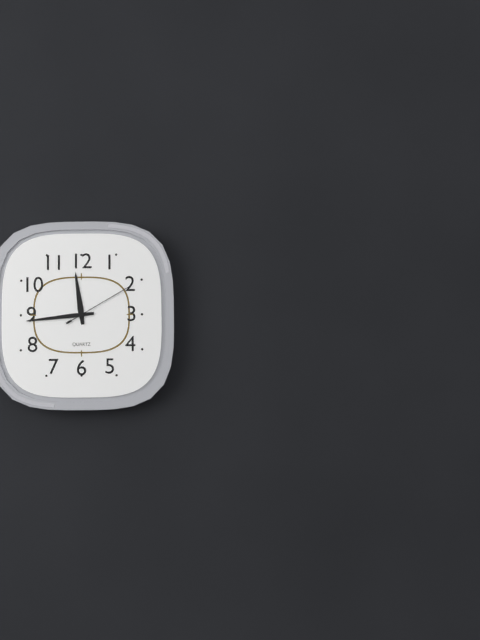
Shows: 11h44m10s
